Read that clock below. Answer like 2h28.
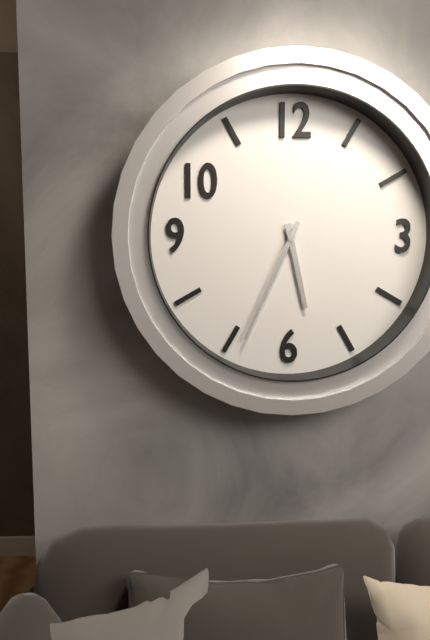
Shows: 5h34
